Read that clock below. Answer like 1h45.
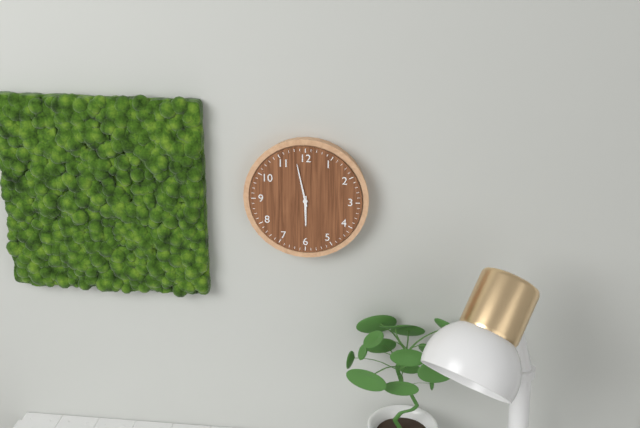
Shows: 5h58
